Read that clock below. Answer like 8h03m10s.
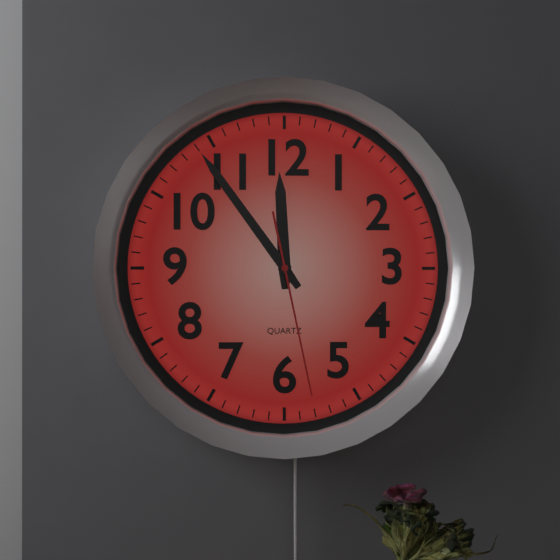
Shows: 11h54m28s
